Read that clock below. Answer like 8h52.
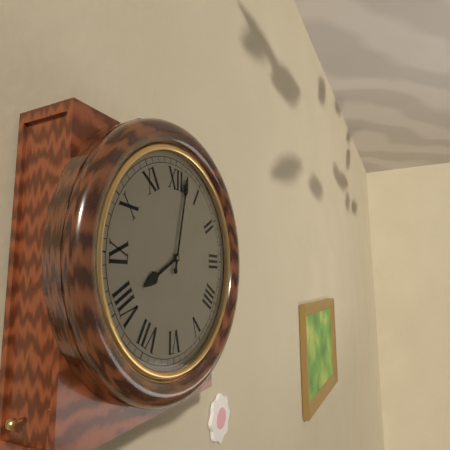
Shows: 8h02
